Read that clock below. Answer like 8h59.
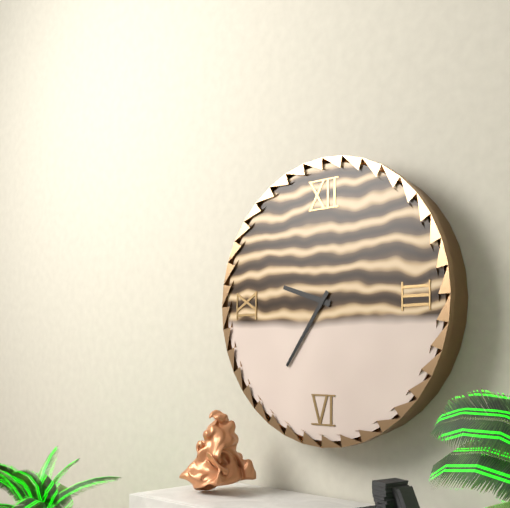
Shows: 9h36
